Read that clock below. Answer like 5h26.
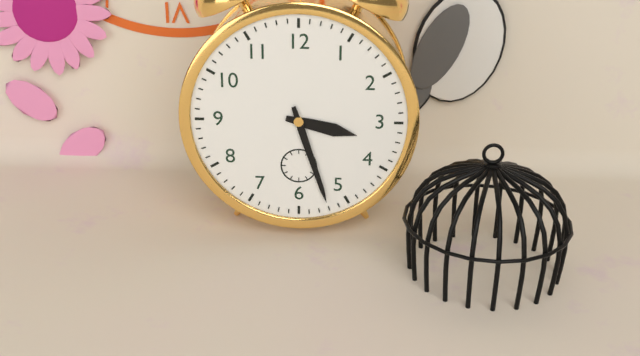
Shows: 3h27
